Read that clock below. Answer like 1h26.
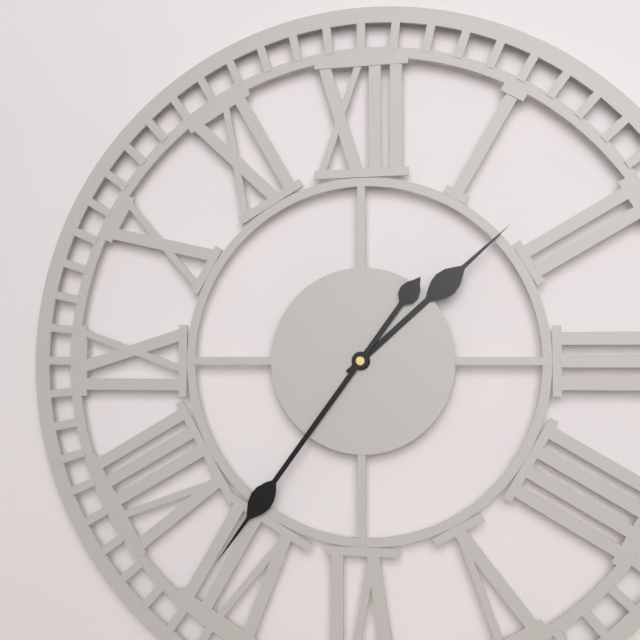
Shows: 1h36
